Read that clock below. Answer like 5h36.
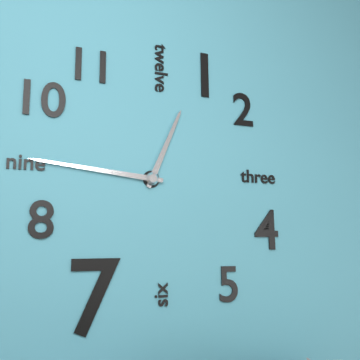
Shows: 12h46
